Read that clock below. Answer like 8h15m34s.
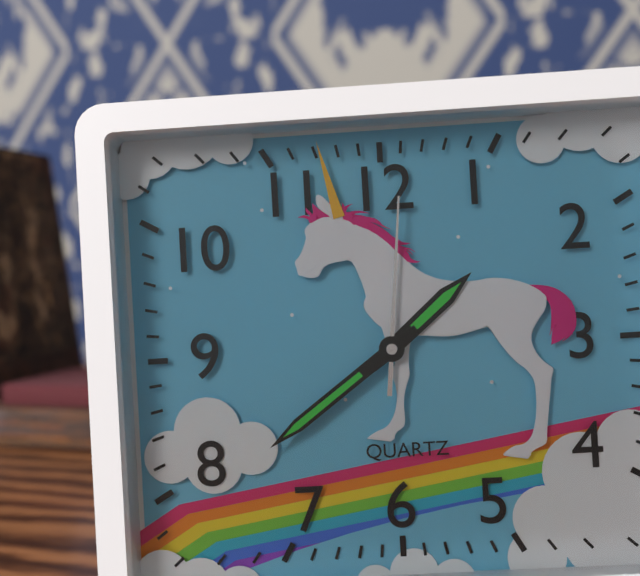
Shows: 1h39m01s
